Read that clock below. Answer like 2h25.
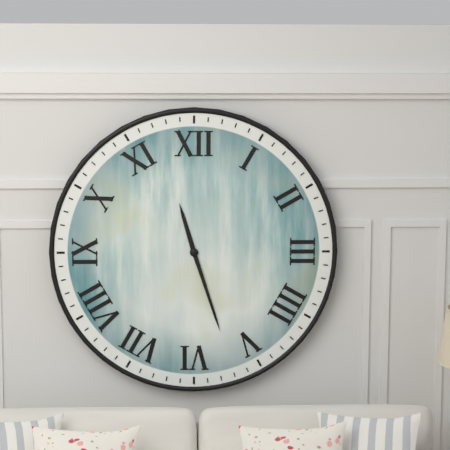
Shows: 11h27
